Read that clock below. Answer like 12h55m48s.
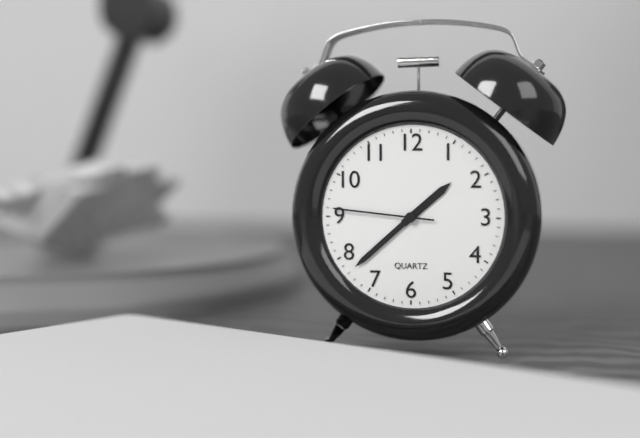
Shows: 1h38m46s
